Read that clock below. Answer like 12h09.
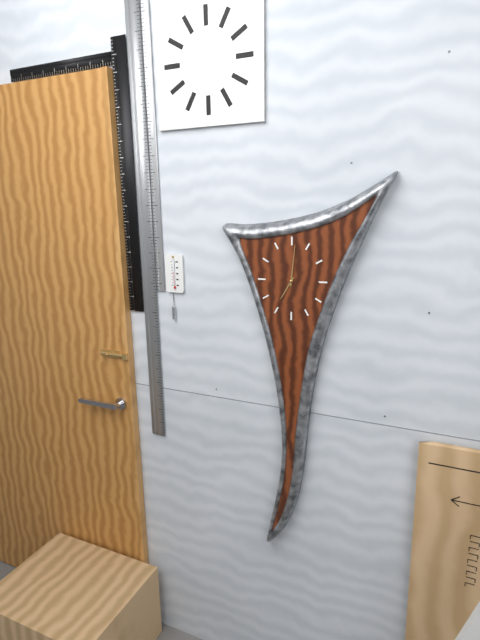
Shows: 7h01
